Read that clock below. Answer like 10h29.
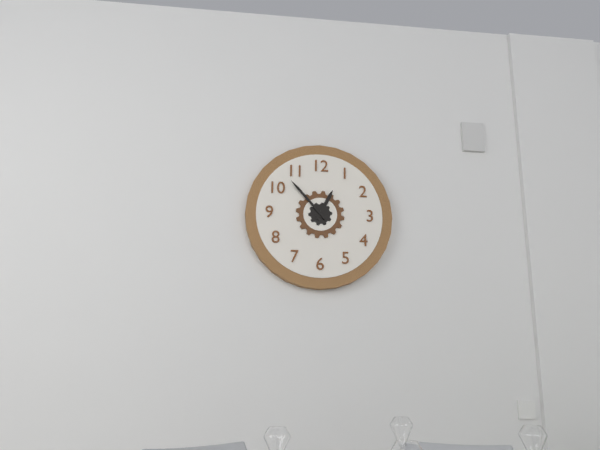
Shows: 12h53
